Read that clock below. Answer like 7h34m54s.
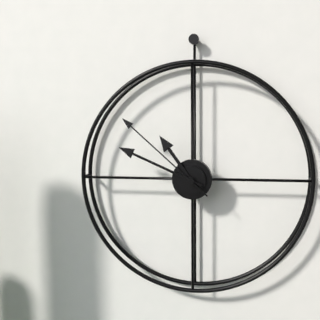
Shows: 10h49m52s
